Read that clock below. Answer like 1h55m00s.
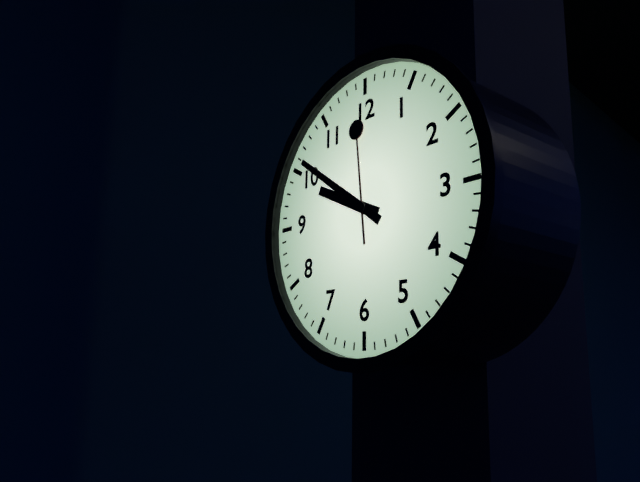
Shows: 9h51m59s
